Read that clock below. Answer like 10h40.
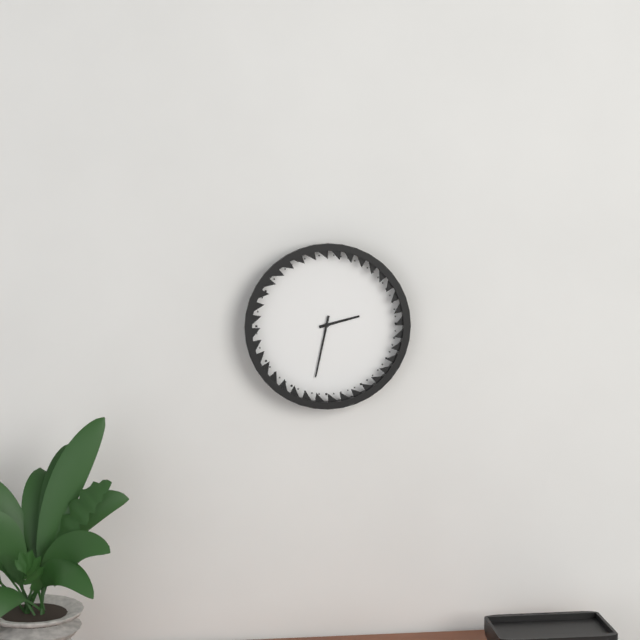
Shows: 2h32
